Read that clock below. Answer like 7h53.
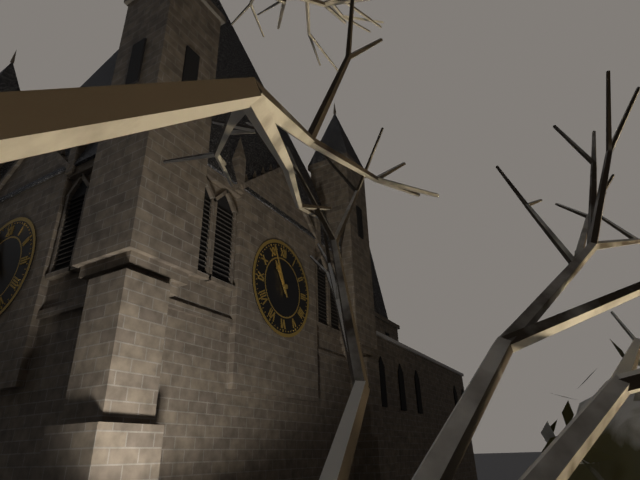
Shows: 10h56
